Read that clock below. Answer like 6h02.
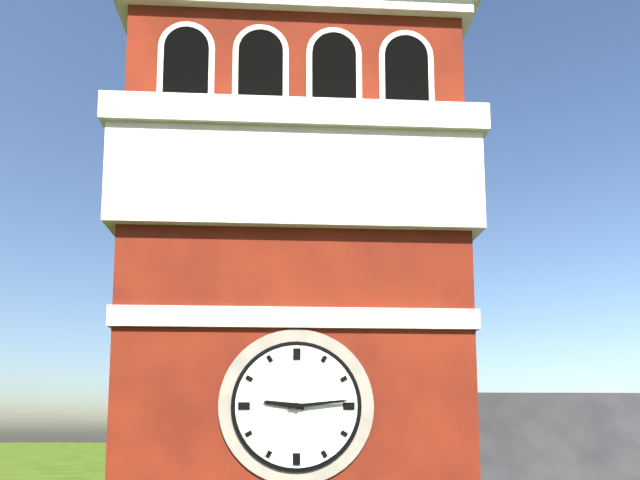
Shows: 9h14
